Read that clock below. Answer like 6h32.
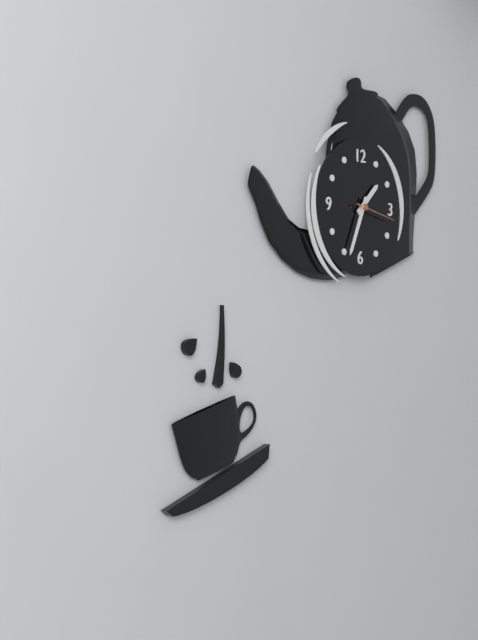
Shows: 1h34
